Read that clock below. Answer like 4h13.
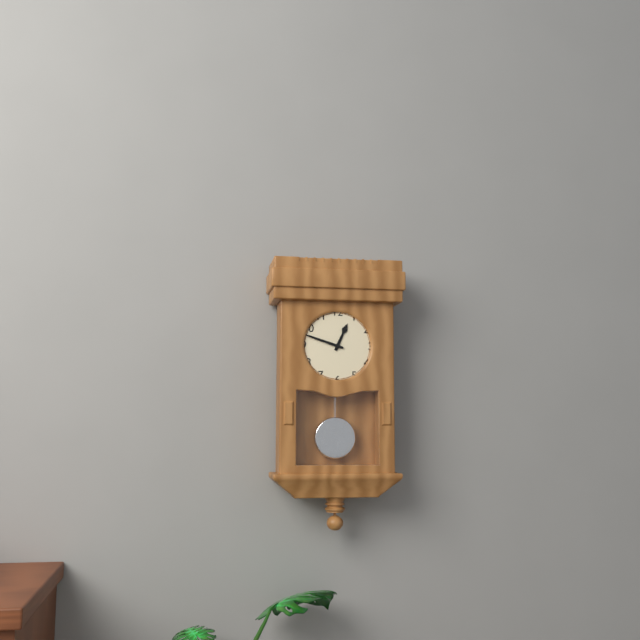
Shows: 12h48
